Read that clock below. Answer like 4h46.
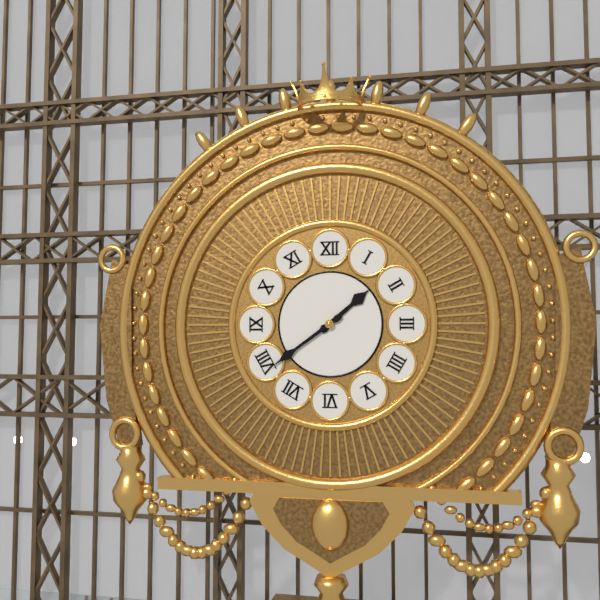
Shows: 1h39
